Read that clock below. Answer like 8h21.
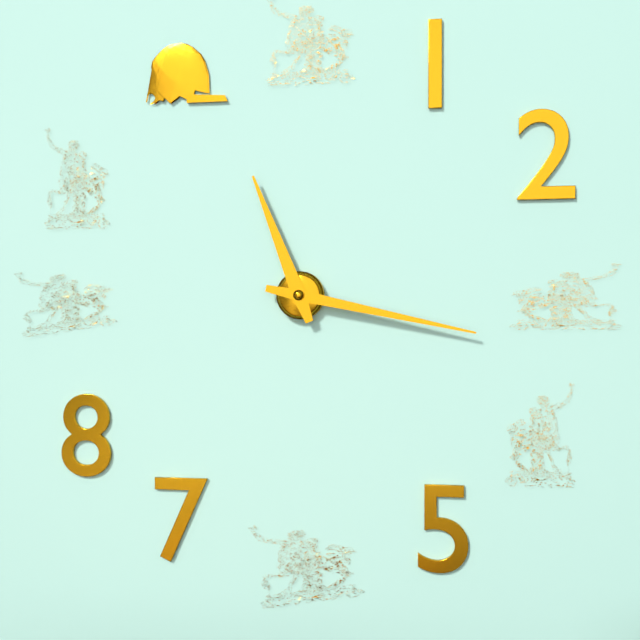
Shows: 11h17
